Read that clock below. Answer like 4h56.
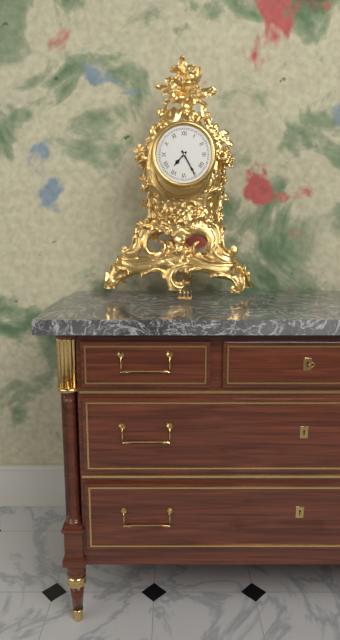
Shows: 7h25
